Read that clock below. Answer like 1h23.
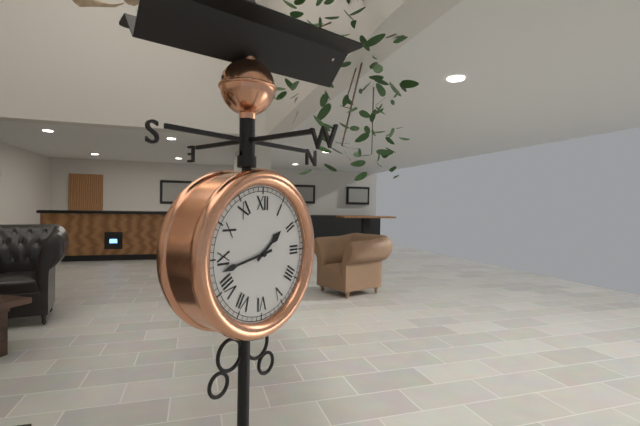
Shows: 1h43
